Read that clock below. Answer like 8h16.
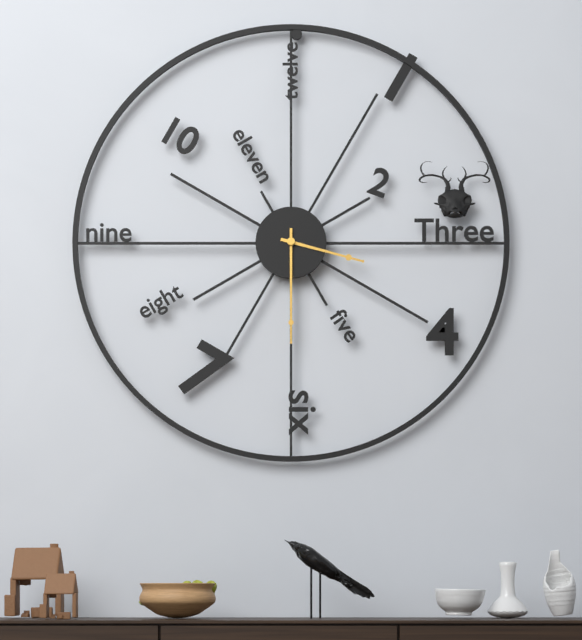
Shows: 3h30
